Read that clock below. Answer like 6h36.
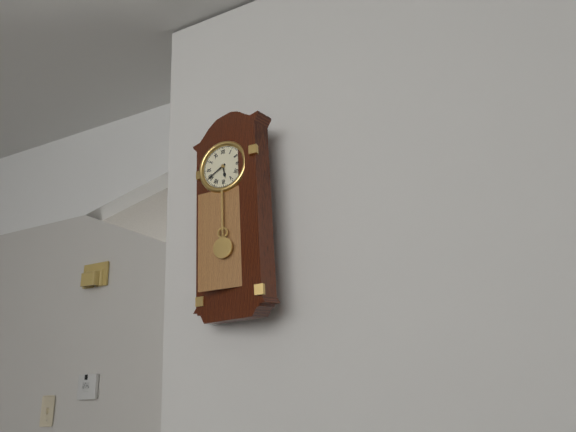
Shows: 5h40
